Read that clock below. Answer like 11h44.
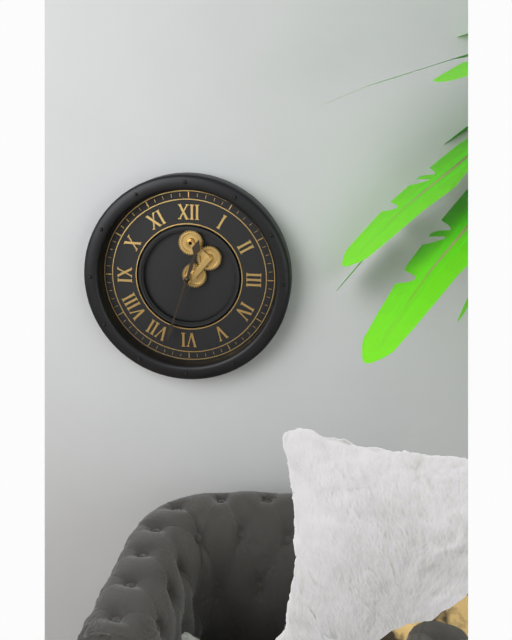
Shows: 12h33
